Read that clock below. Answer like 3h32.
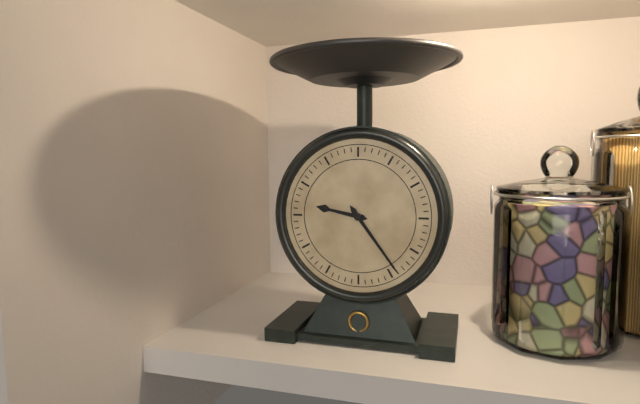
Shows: 9h24
